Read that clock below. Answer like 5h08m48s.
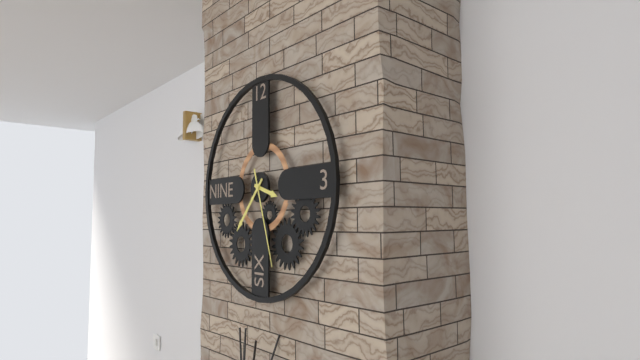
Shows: 3h37m27s
